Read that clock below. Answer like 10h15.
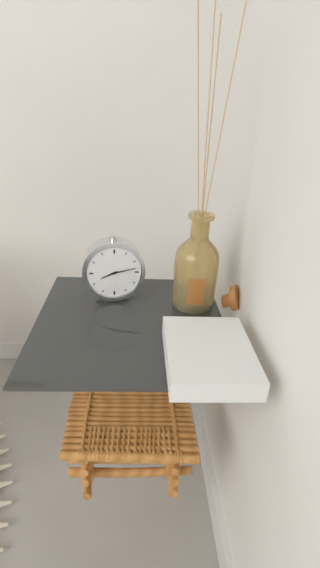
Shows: 8h13
